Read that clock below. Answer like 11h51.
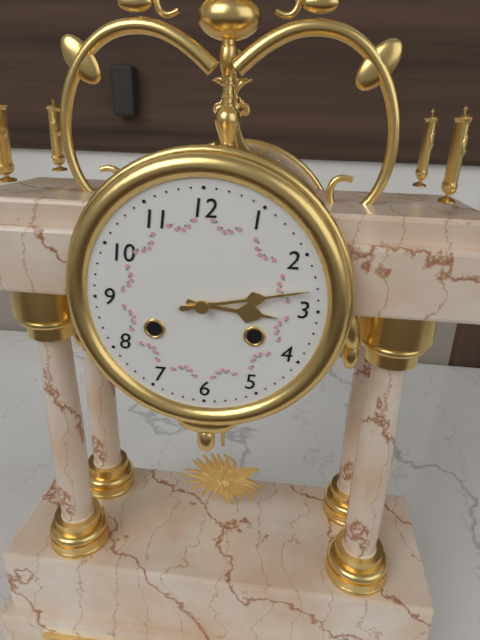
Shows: 3h13
